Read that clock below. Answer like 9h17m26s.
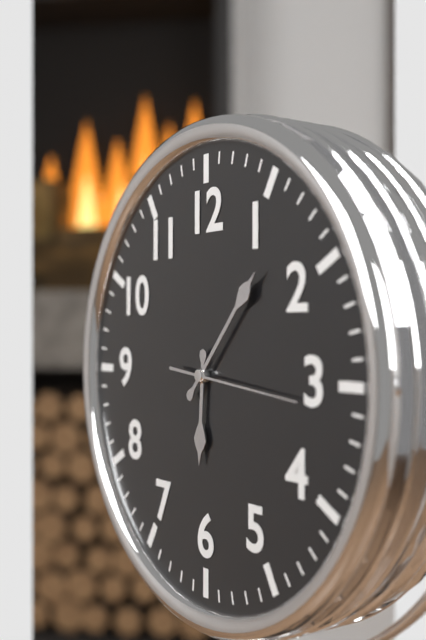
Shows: 6h07m16s
